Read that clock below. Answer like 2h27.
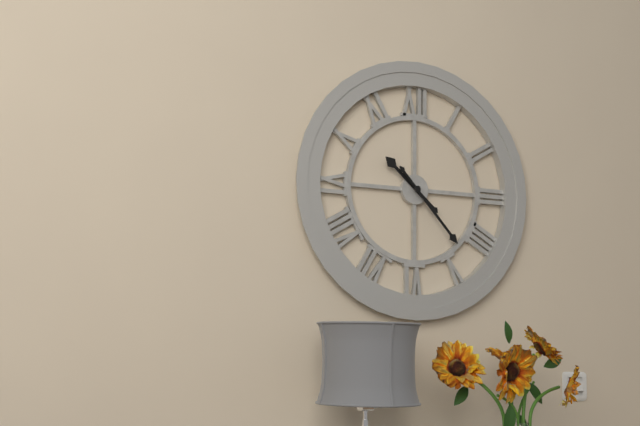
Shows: 10h23
